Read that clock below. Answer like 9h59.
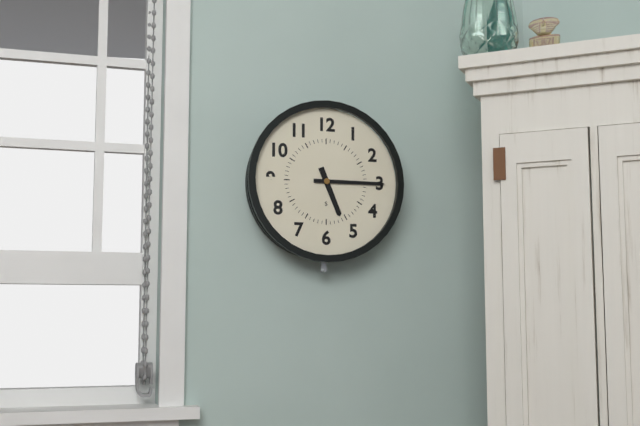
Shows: 5h15
